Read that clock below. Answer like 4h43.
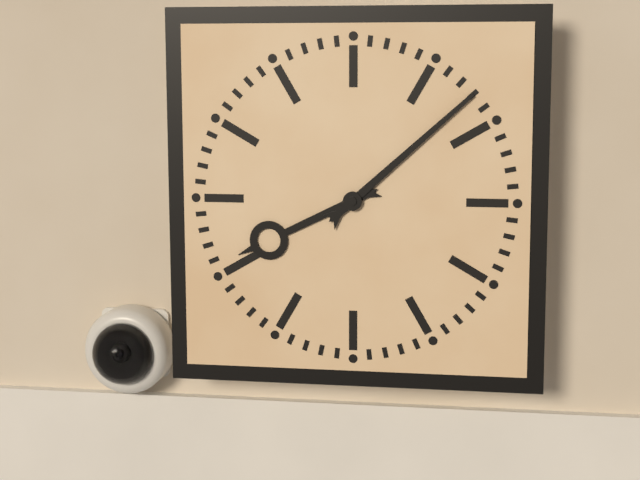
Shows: 8h08
